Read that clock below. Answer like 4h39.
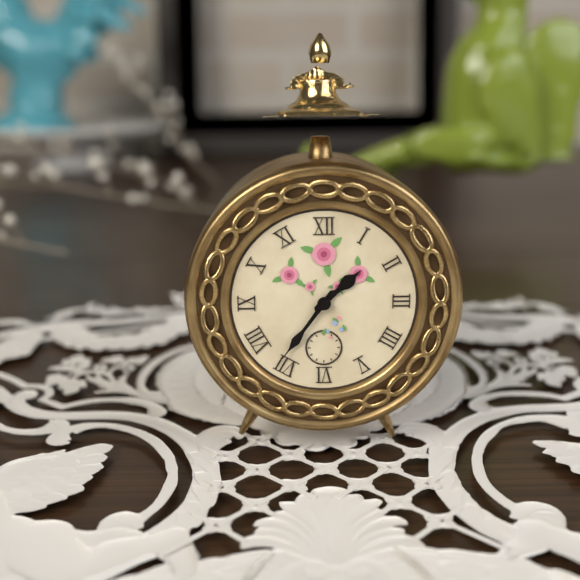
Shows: 1h36
